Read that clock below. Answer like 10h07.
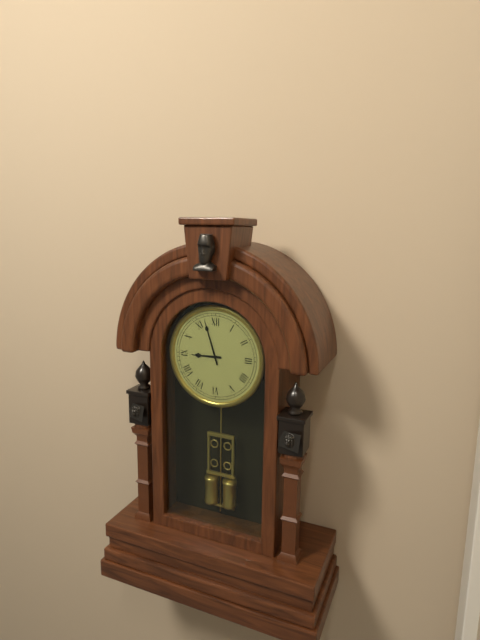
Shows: 8h57
